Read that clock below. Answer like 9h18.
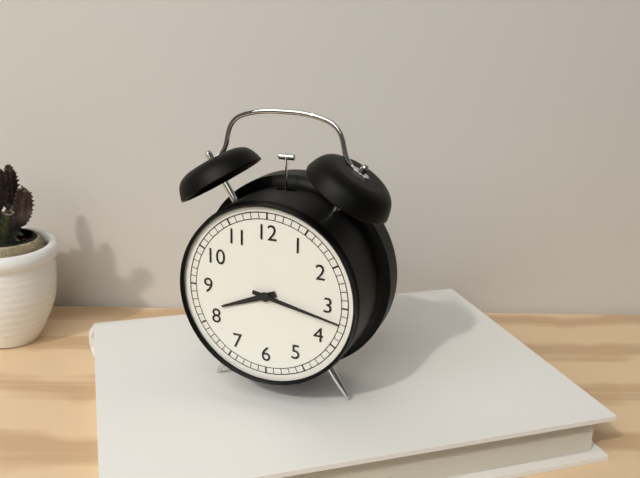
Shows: 8h17
